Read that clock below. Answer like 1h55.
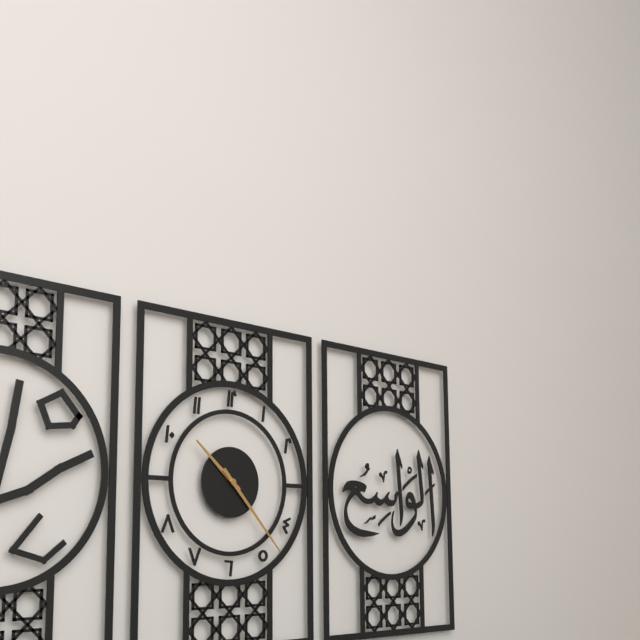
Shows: 10h23
